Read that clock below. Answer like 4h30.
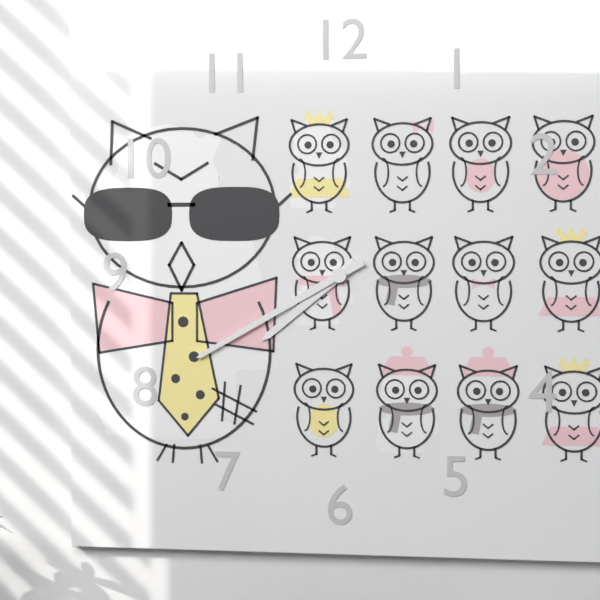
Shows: 7h40
